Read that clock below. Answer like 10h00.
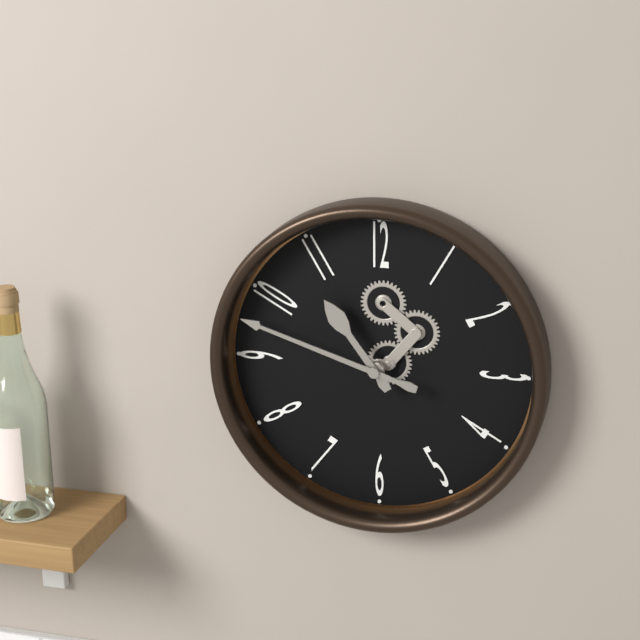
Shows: 10h48
